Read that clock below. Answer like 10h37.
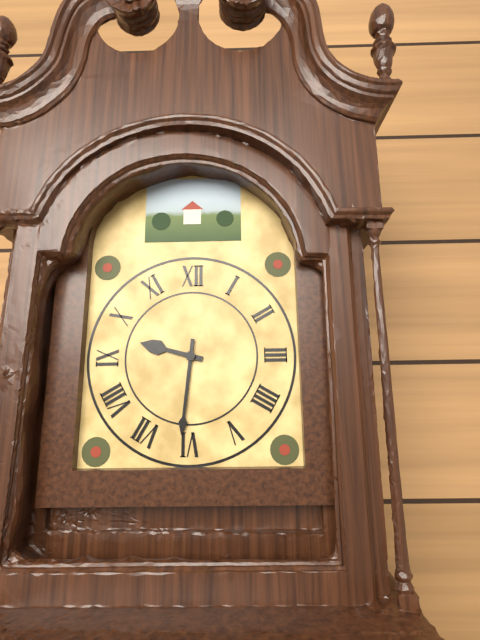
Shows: 9h31
